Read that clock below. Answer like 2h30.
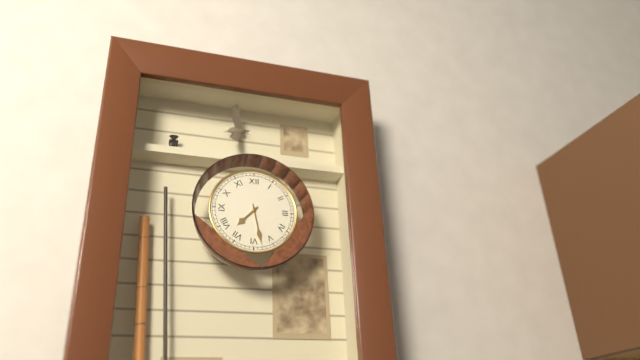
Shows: 7h28
